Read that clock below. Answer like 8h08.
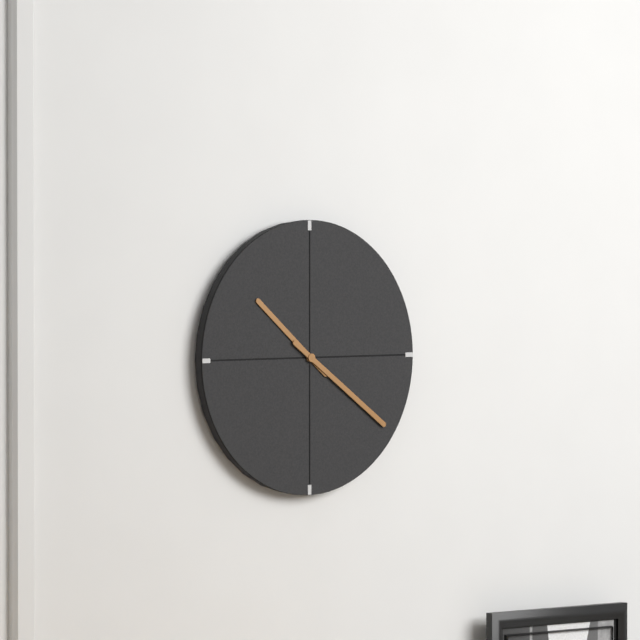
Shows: 10h21
